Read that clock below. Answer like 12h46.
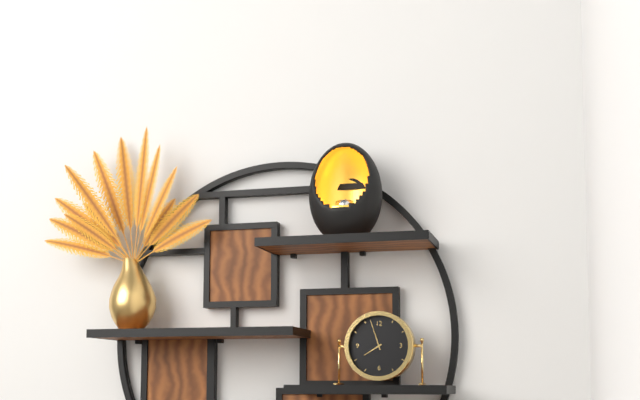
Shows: 7h57
